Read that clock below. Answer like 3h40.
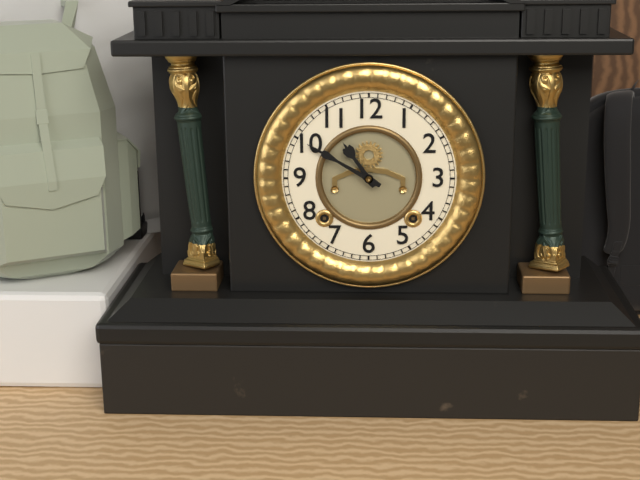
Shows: 10h50
